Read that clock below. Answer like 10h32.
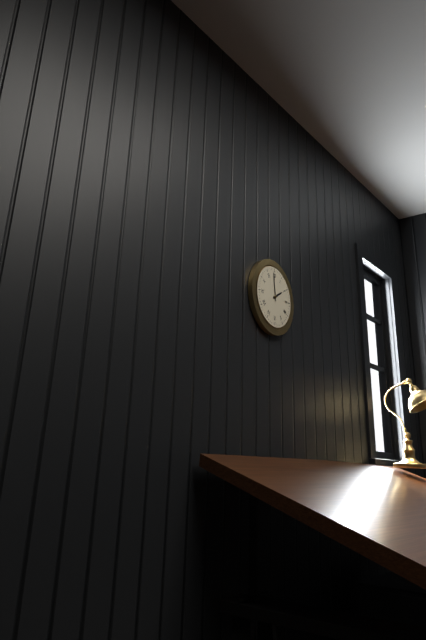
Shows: 1h59
